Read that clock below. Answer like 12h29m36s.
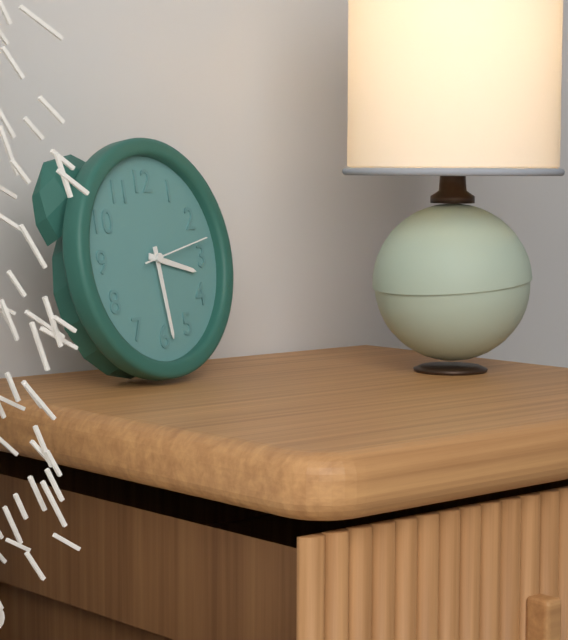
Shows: 3h29m13s
